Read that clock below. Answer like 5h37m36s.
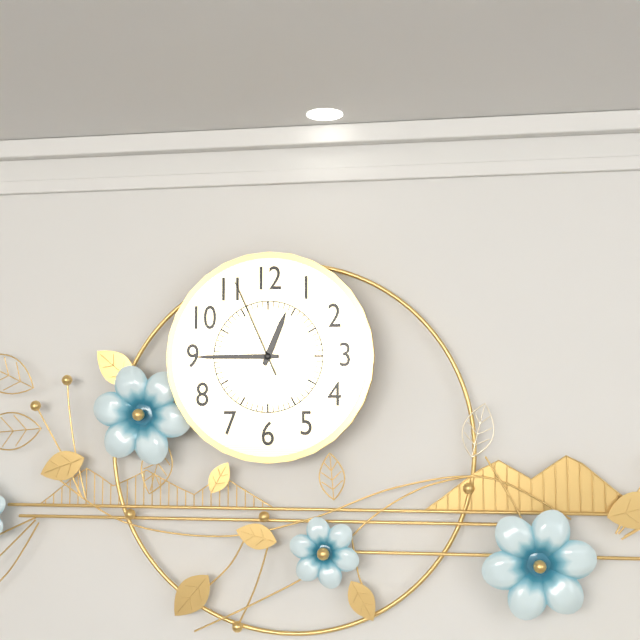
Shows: 12h45m56s
